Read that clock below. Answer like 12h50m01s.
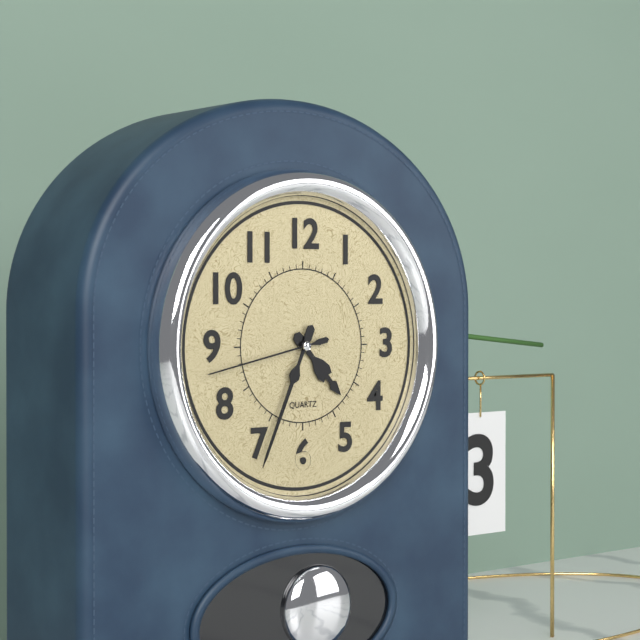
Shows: 4h34m43s
